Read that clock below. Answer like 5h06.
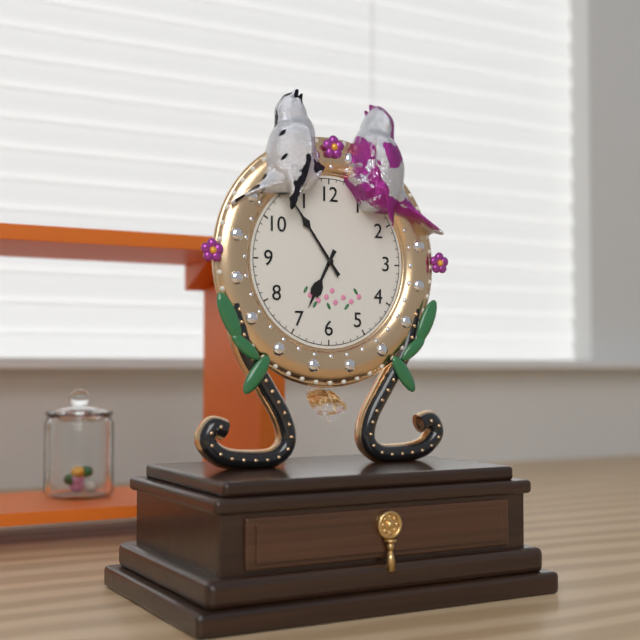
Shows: 6h54
